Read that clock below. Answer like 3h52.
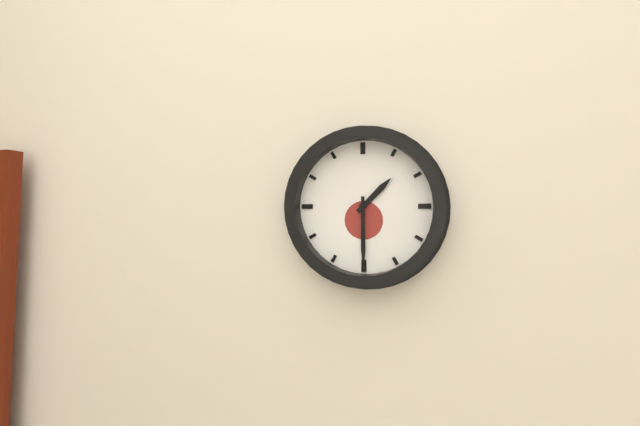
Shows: 1h30
